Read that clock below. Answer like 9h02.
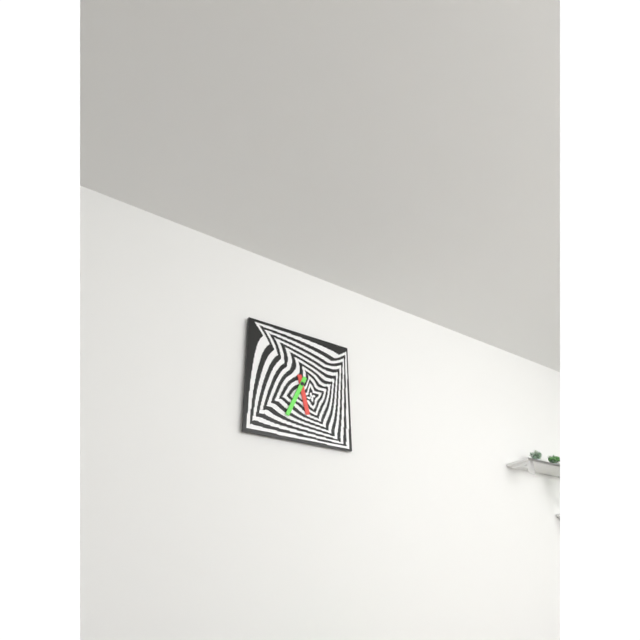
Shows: 5h34
